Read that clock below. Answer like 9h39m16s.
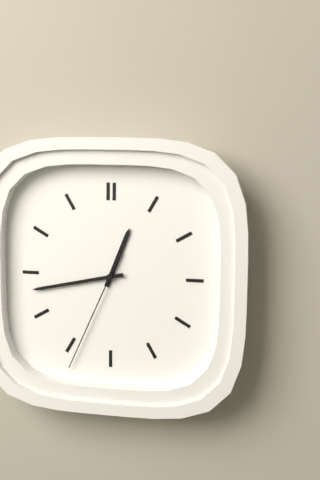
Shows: 12h43m34s
